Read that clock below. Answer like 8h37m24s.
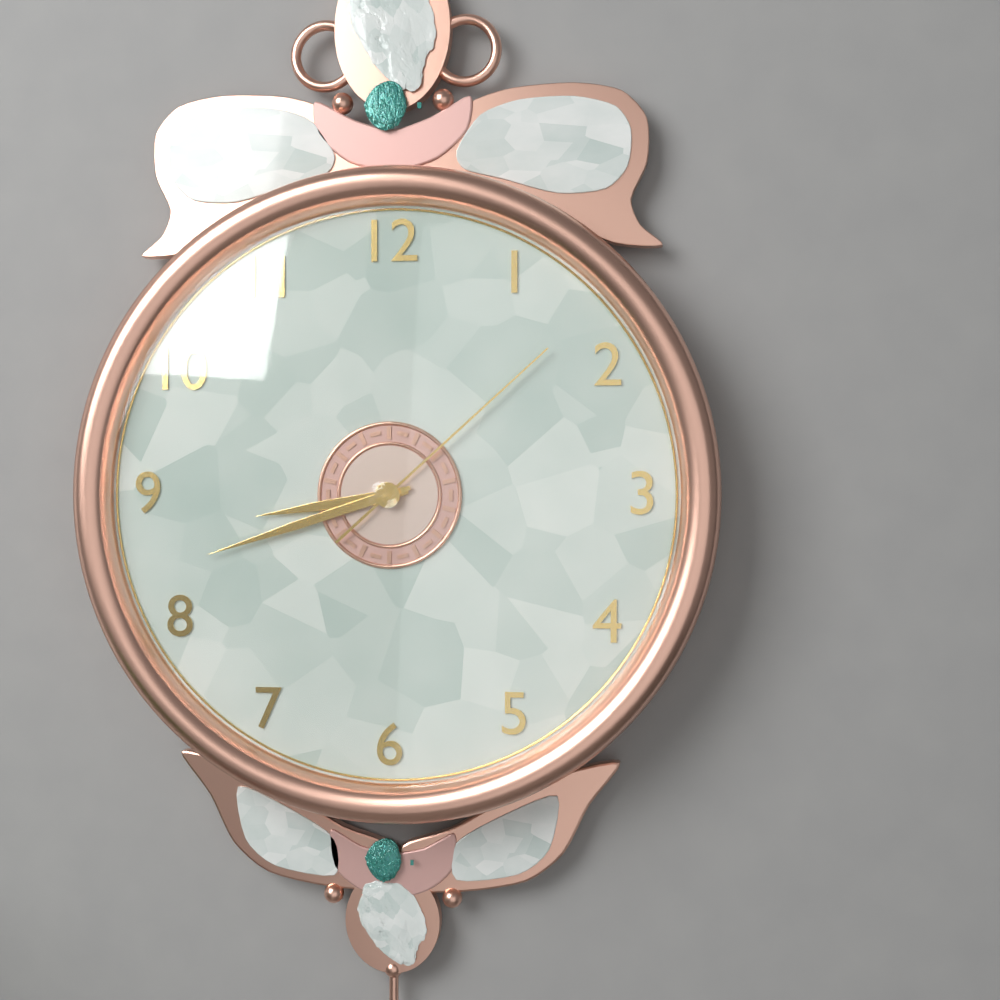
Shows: 8h42m08s
